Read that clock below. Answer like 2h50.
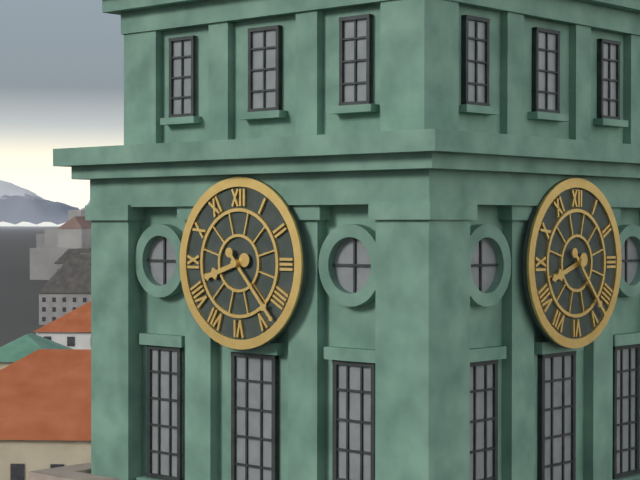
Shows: 8h23
